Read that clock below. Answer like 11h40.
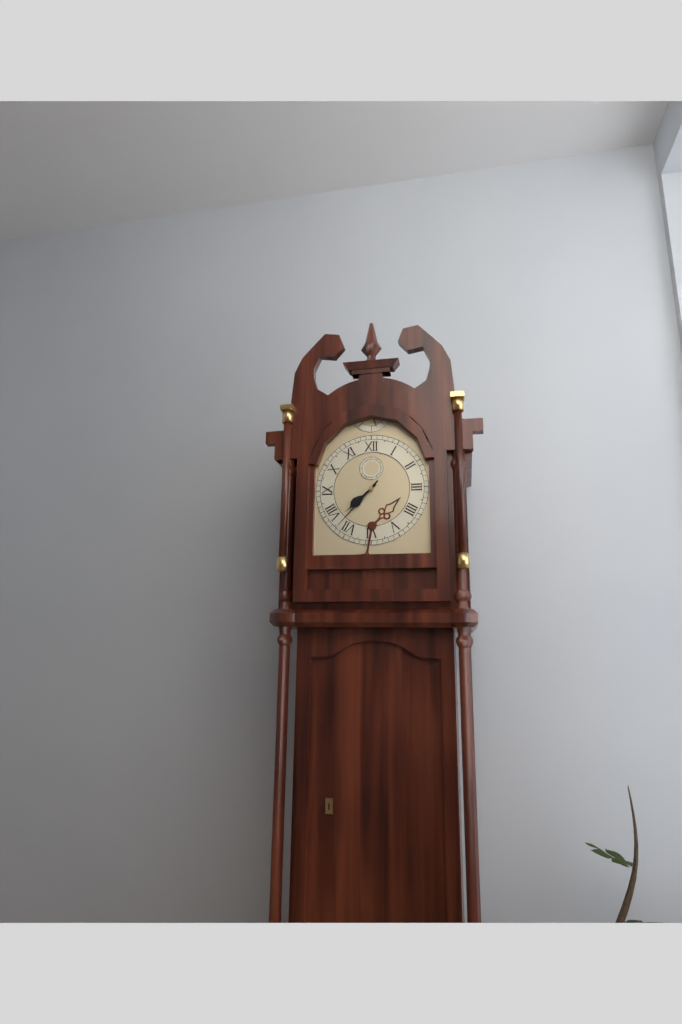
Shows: 7h37
